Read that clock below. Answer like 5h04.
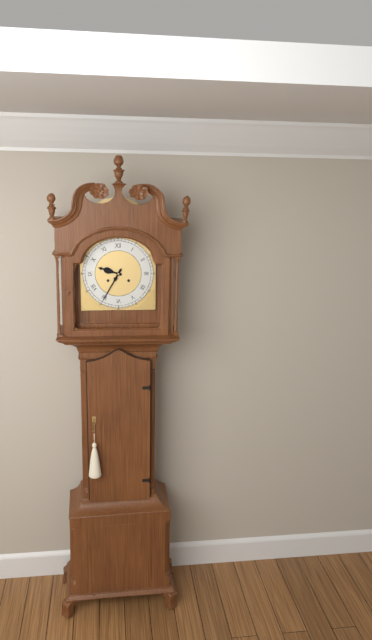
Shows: 9h35
